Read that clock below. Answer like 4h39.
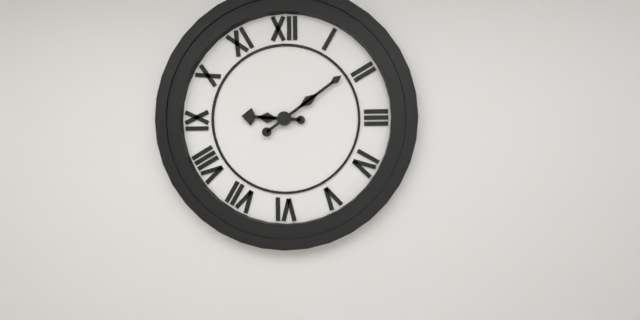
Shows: 9h09
